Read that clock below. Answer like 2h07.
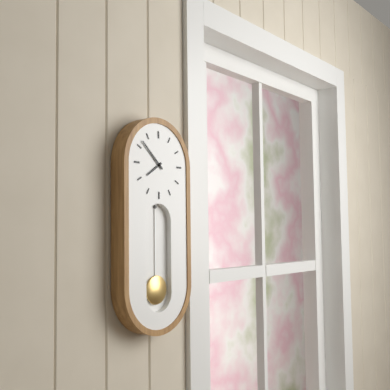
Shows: 7h52
